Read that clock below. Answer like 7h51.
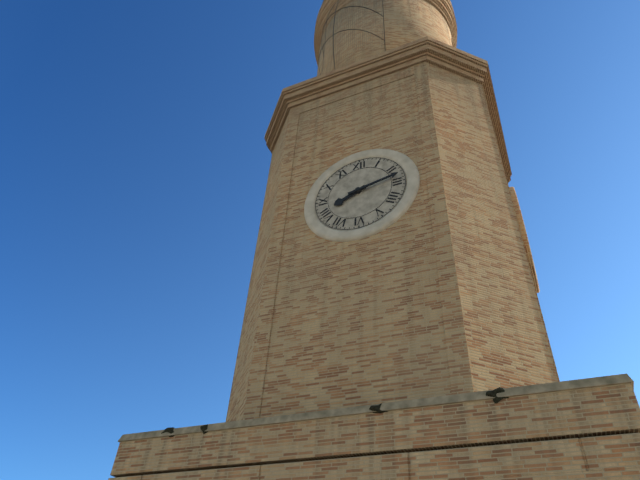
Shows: 8h13
